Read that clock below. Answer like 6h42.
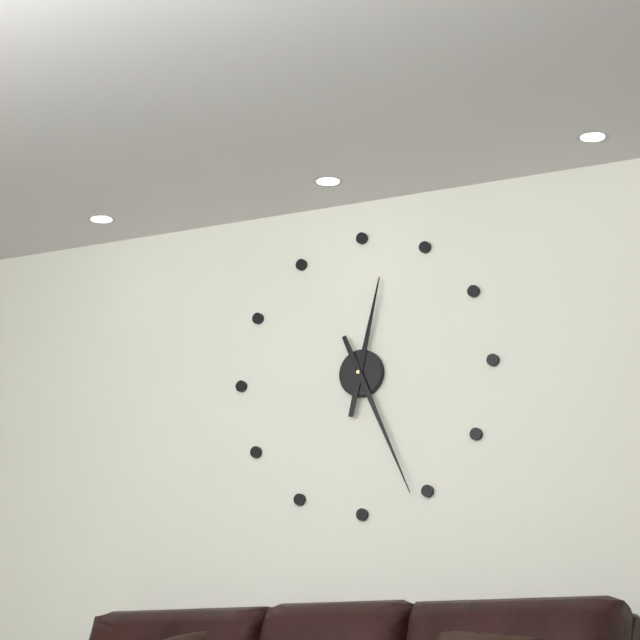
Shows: 12h26
